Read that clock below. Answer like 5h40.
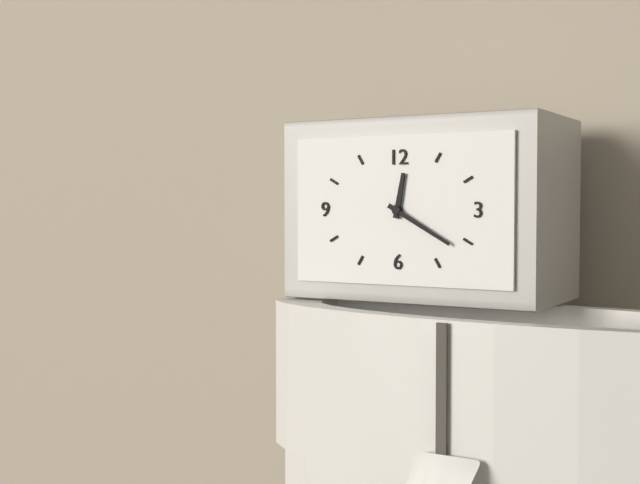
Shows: 12h20
